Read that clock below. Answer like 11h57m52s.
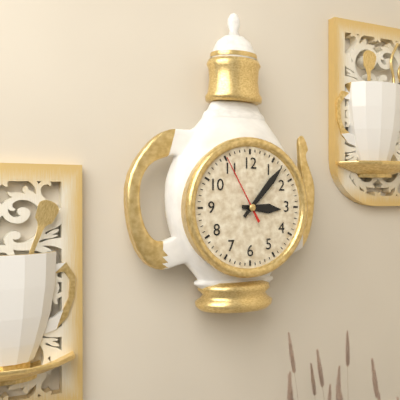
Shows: 3h07m55s
